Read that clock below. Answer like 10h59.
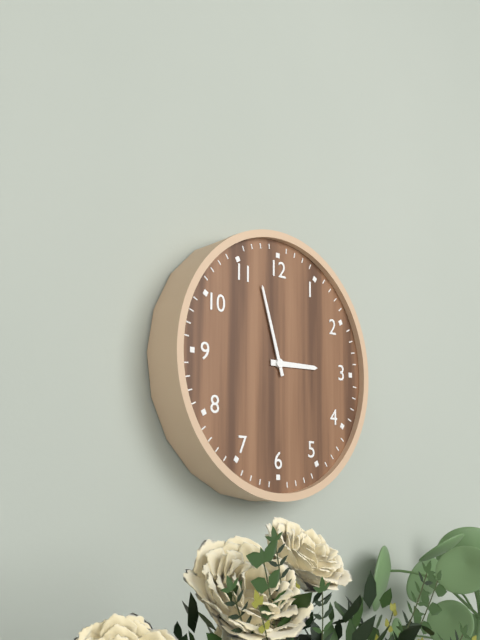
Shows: 2h57
